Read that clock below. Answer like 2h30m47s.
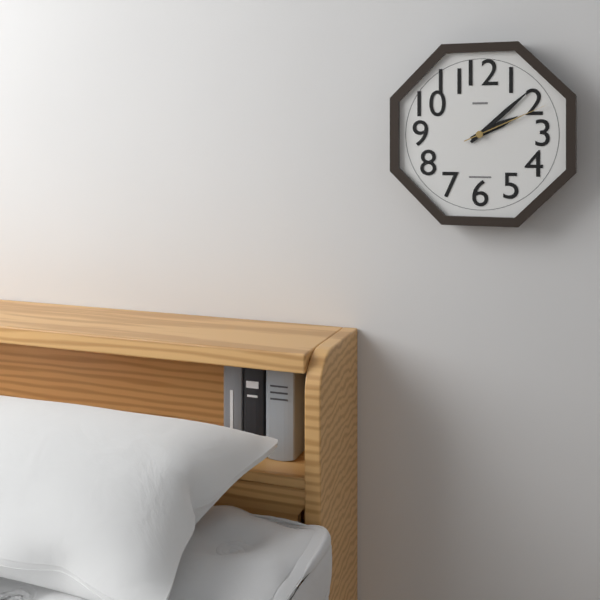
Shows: 2h08m11s
